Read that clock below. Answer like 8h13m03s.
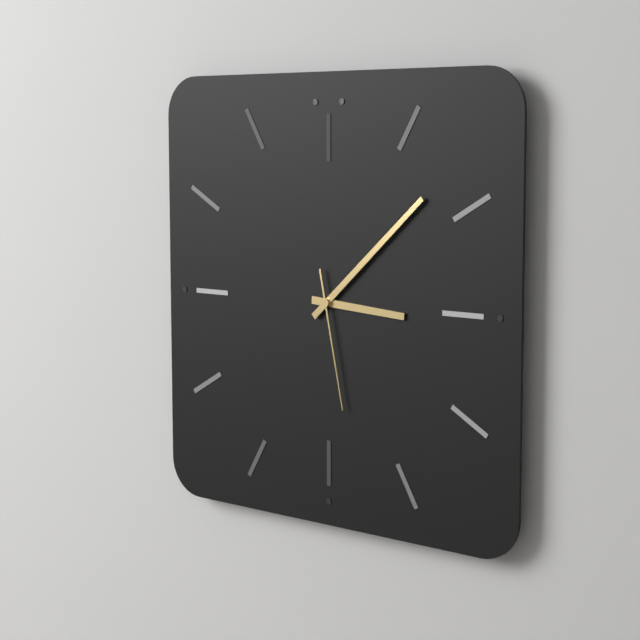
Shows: 3h08m28s
